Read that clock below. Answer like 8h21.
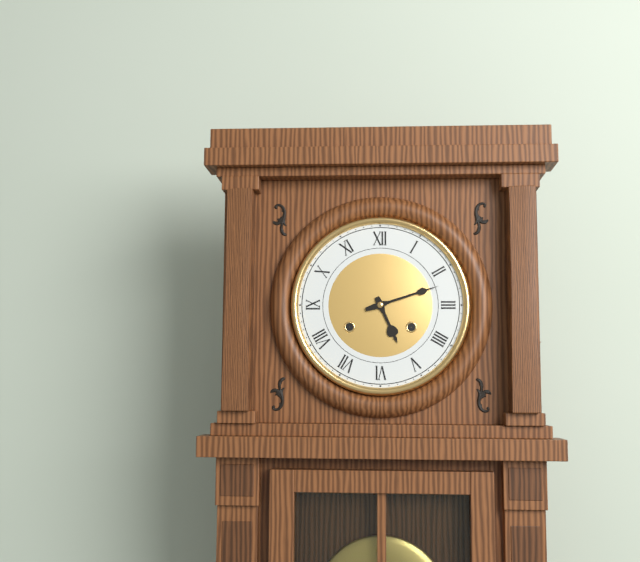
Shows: 5h12
